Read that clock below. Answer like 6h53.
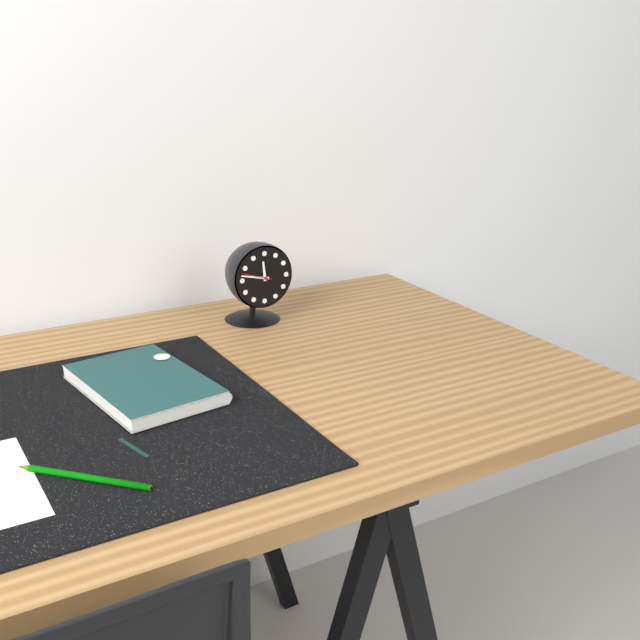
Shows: 11h47
